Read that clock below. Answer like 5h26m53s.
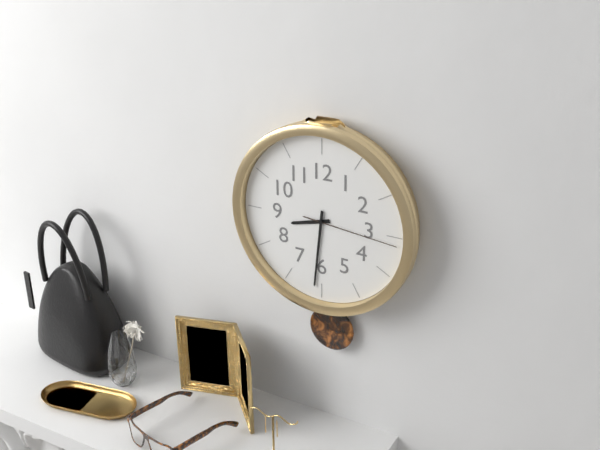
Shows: 8h31m16s
